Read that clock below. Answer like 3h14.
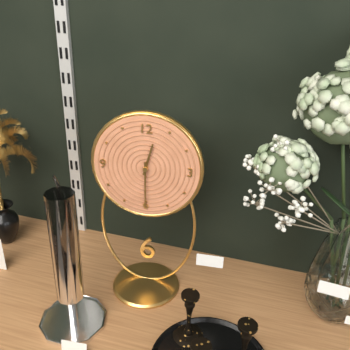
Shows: 12h30
